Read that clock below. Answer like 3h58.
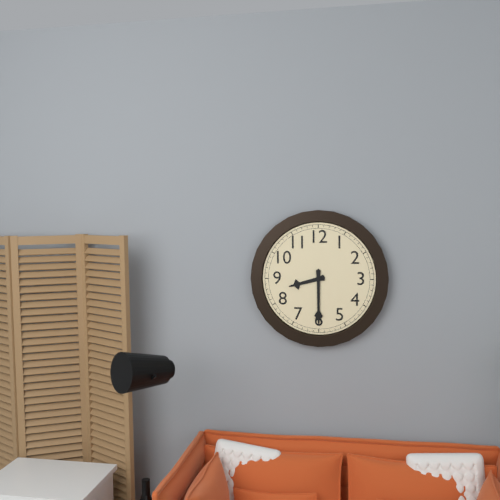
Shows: 8h30
